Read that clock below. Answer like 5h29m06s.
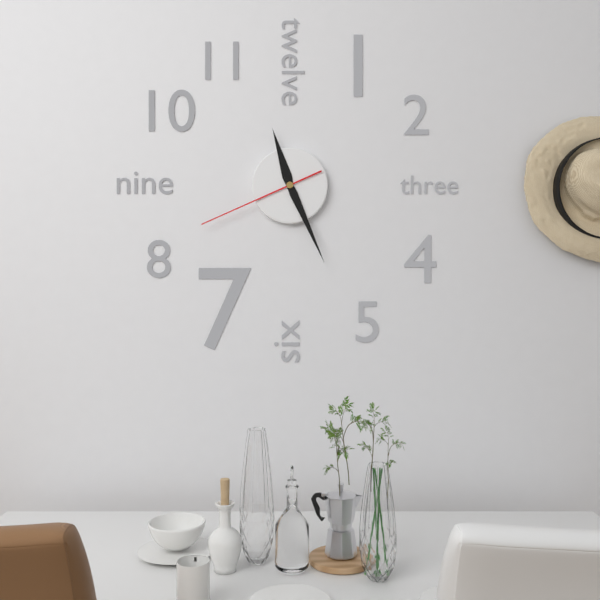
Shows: 11h26m41s
